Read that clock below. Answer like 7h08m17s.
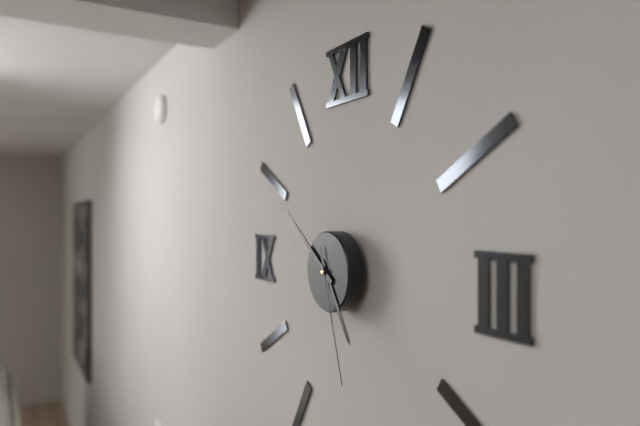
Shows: 4h51m27s
